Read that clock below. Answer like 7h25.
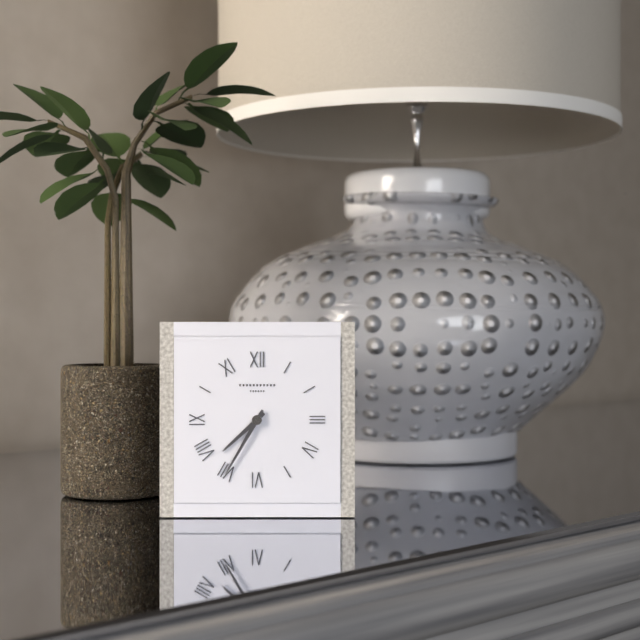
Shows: 7h35
